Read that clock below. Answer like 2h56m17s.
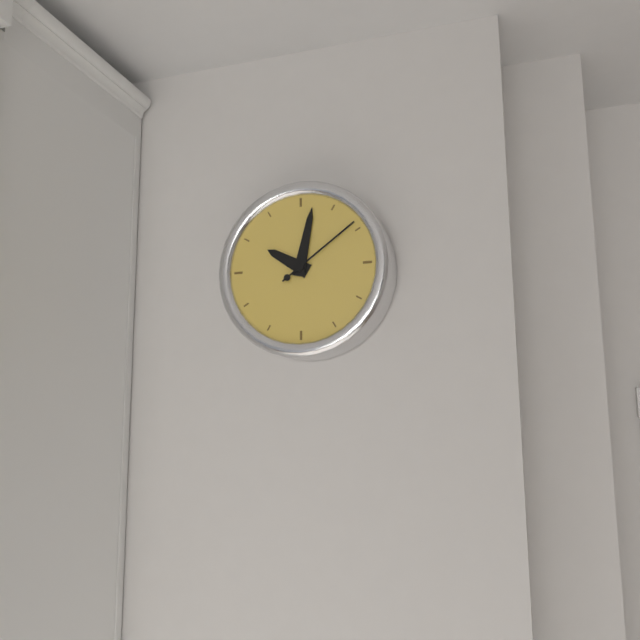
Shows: 10h02m09s
